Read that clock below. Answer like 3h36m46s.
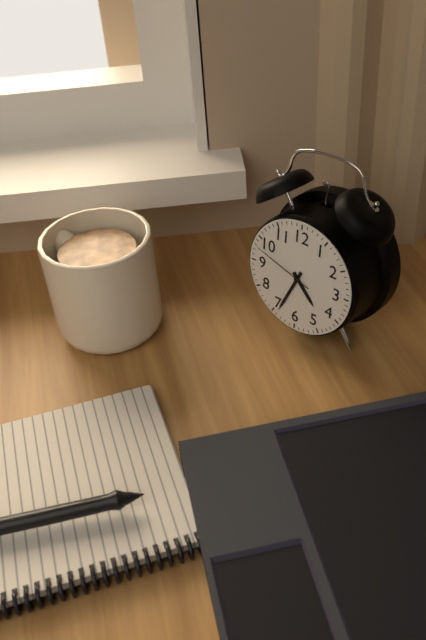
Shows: 4h34m48s
